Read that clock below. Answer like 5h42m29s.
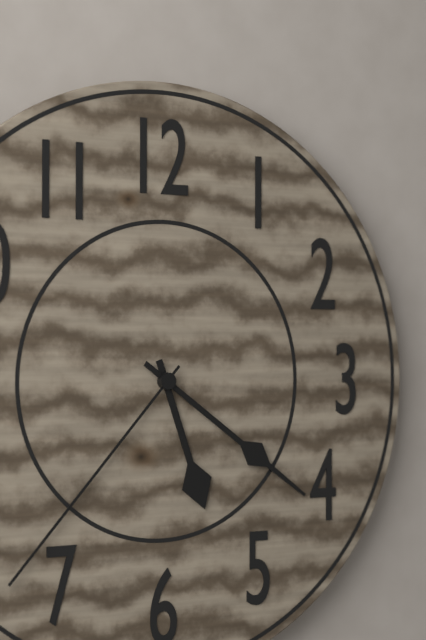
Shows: 5h21m37s
